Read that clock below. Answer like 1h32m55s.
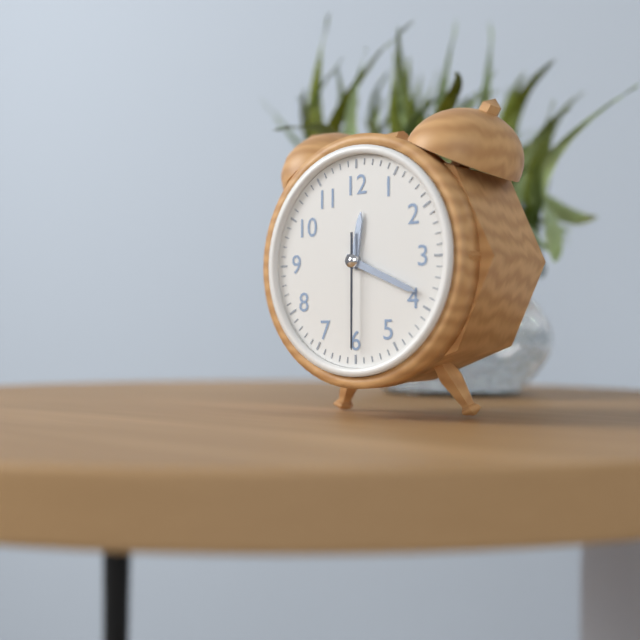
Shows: 12h19m30s
